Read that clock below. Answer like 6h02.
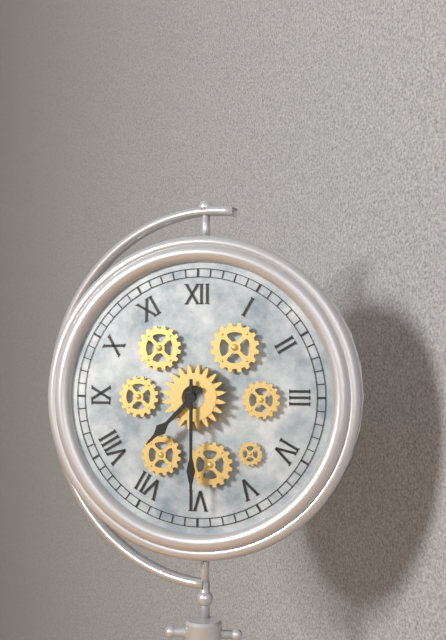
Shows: 7h30
